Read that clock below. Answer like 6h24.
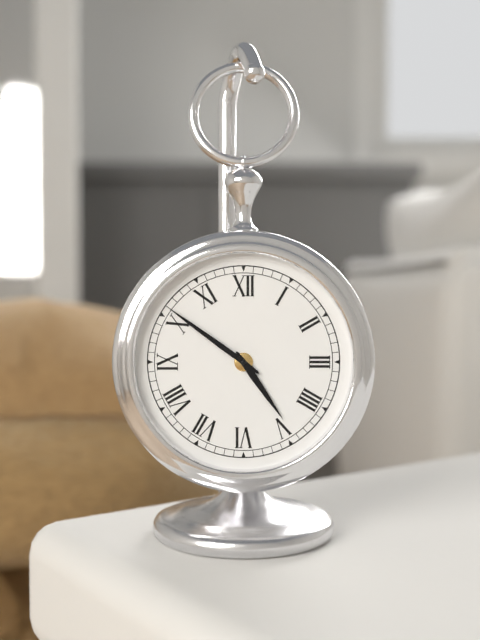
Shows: 4h51
